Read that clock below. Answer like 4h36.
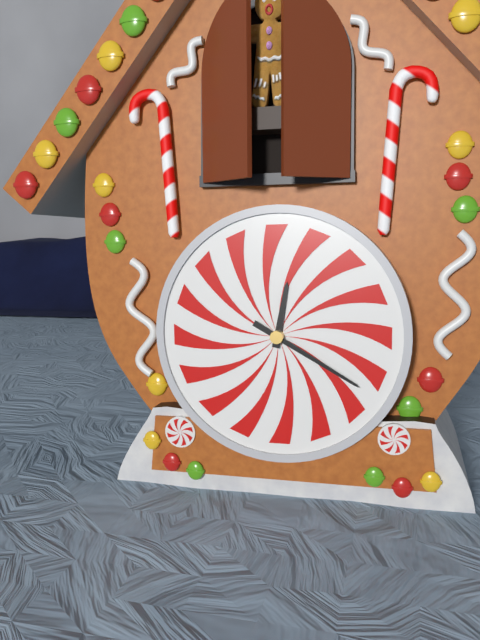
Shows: 12h20
